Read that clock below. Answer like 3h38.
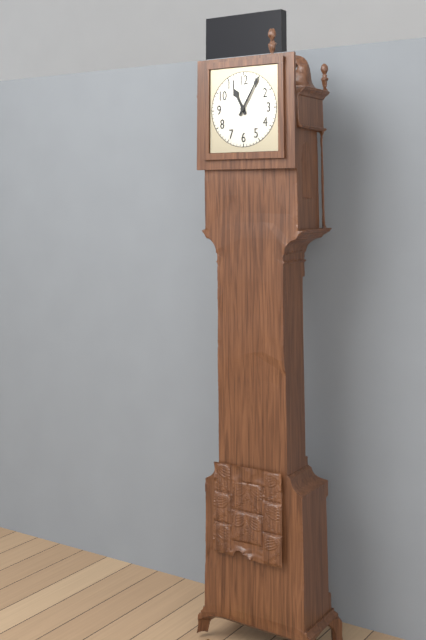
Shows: 11h05
